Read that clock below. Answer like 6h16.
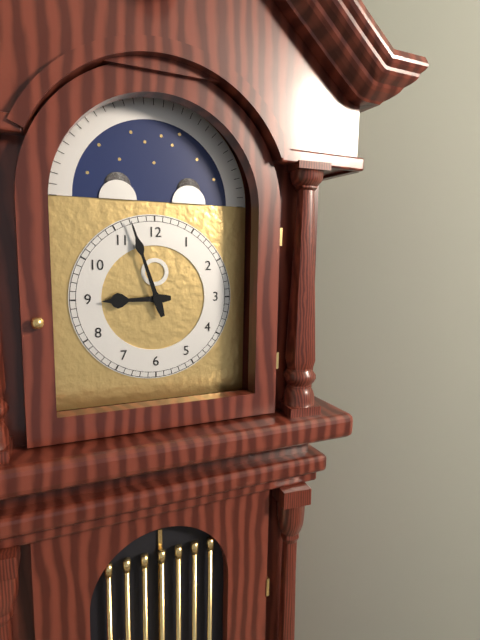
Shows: 8h57
